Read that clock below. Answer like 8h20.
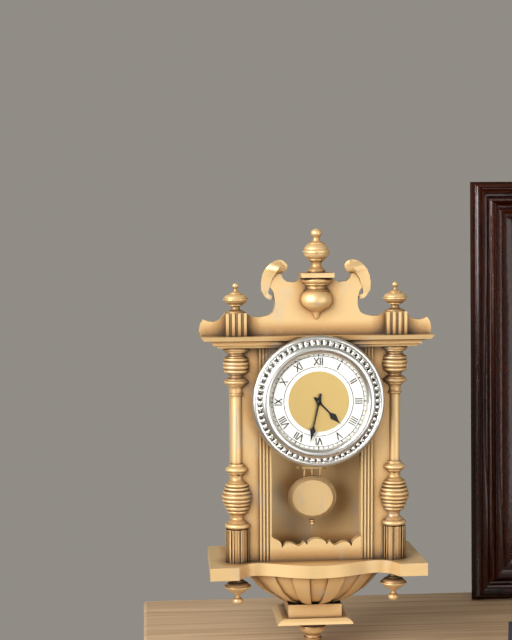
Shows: 4h32
